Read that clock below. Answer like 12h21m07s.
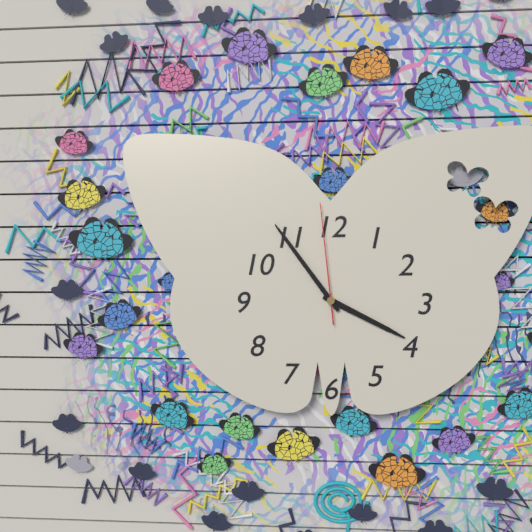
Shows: 3h54m59s
